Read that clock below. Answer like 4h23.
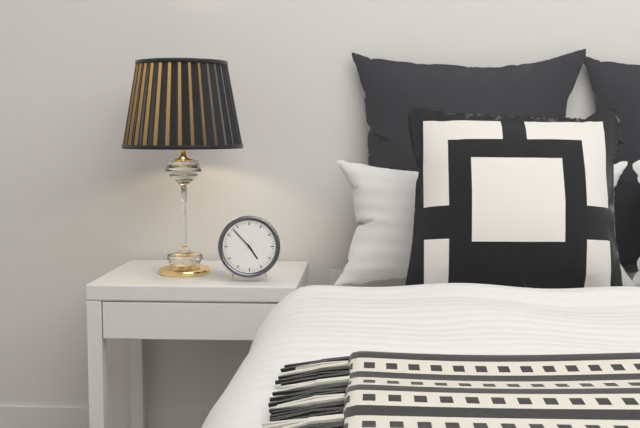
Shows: 4h53
